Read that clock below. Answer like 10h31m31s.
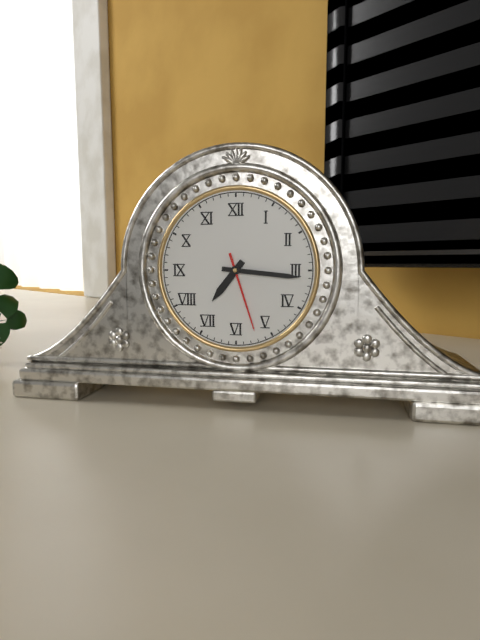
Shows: 7h16m27s
